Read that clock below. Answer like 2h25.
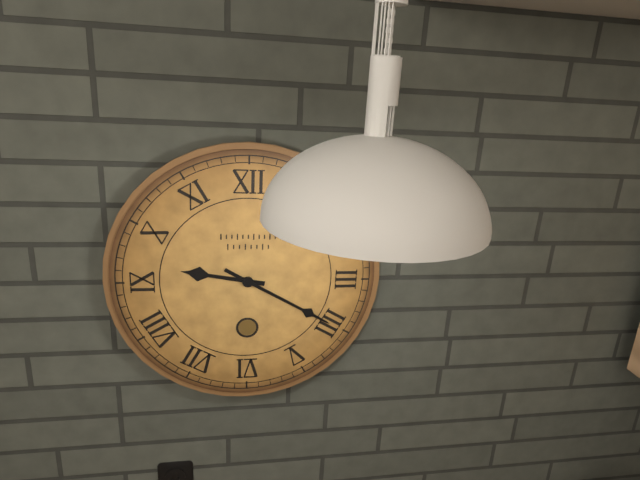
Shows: 9h20
